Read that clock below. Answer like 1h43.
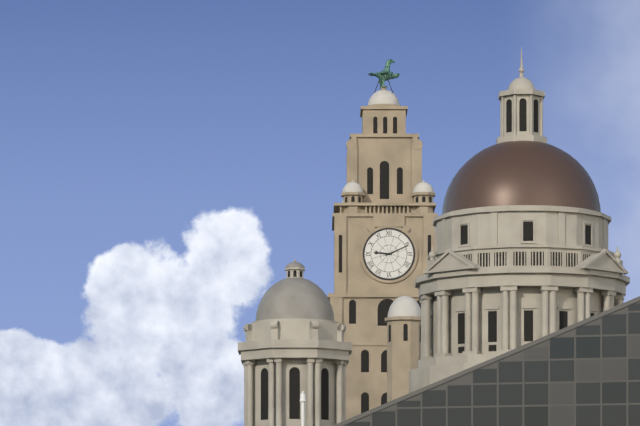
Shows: 9h11
